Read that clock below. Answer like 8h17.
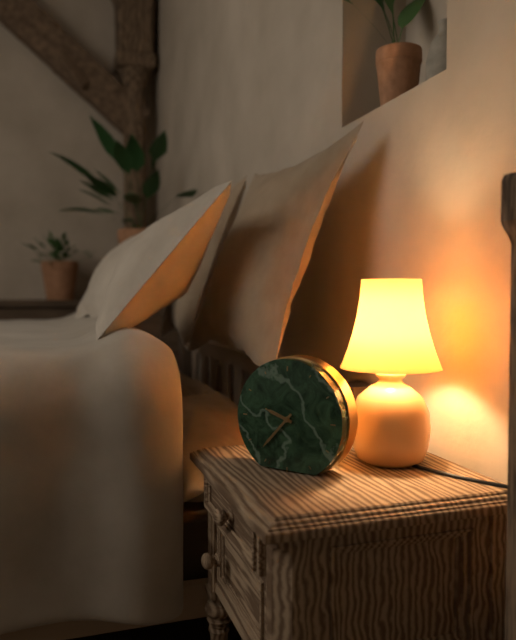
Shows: 9h37
